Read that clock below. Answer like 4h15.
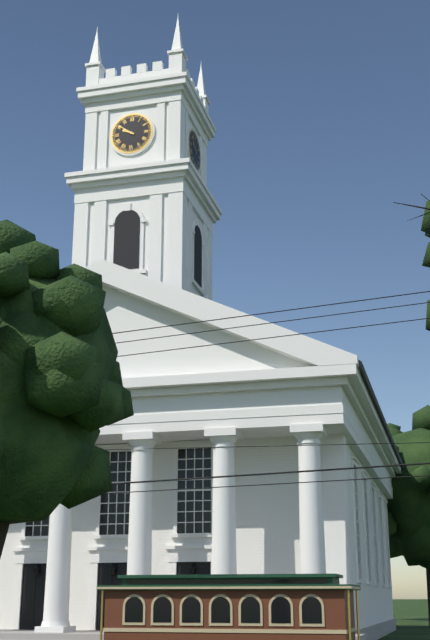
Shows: 9h51
